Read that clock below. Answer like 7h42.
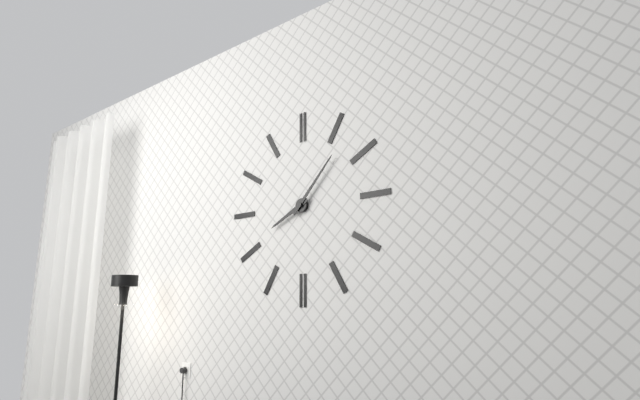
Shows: 8h07
